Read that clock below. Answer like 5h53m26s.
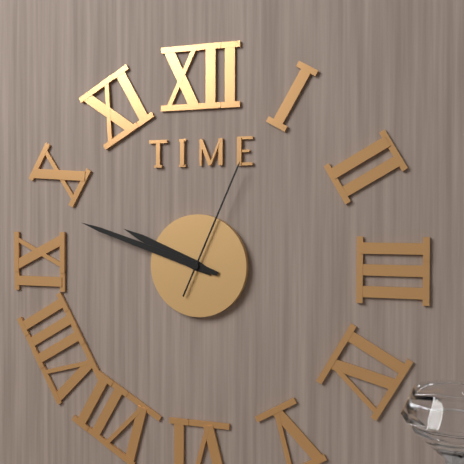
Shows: 9h48m04s
